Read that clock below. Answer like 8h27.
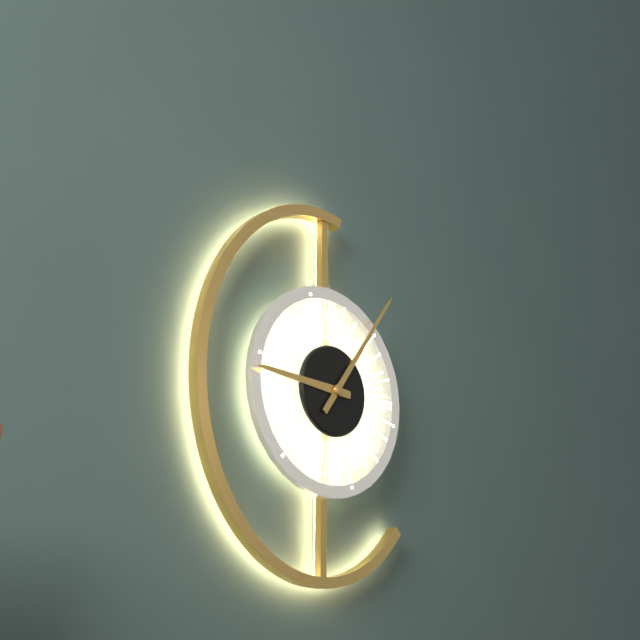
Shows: 9h06
